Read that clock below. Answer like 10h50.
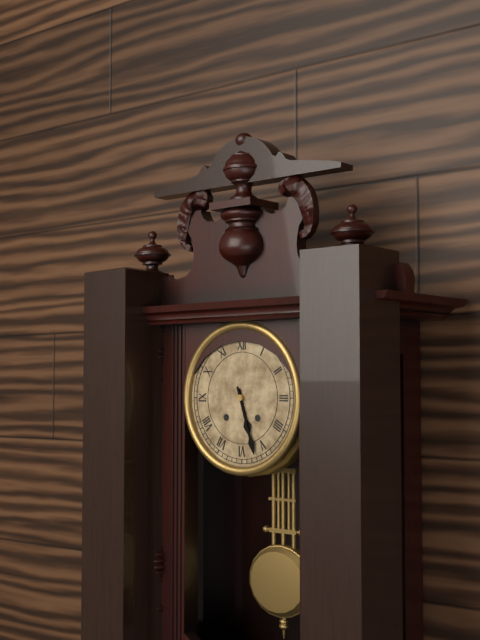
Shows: 5h27
